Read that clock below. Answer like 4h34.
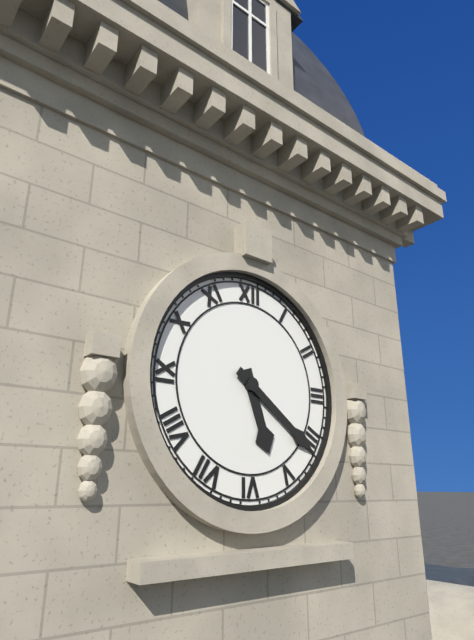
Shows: 5h21
